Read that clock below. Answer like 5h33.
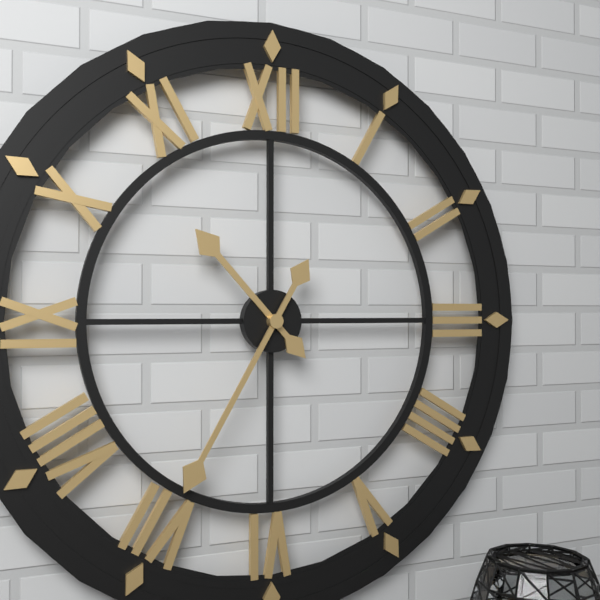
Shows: 10h35
